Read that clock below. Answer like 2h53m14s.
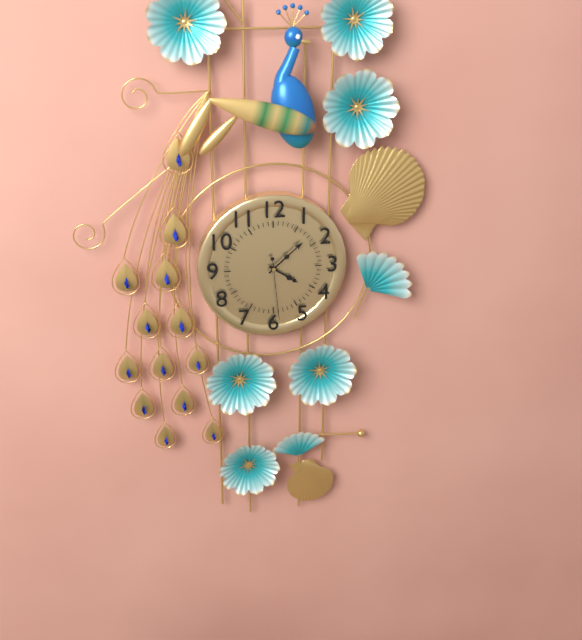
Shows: 4h08m29s
